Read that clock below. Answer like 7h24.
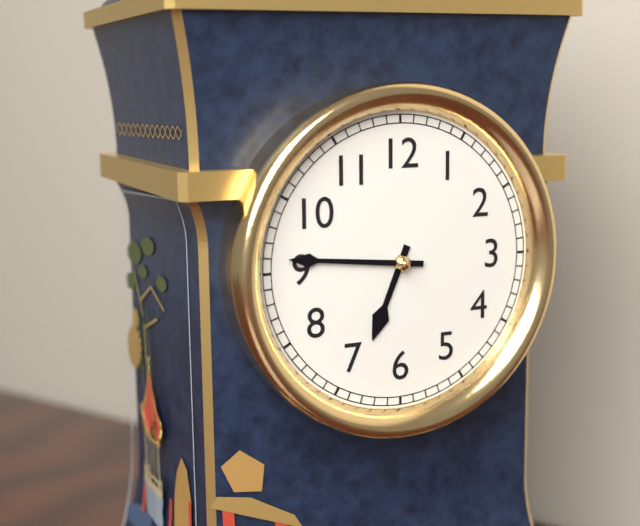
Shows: 6h46
